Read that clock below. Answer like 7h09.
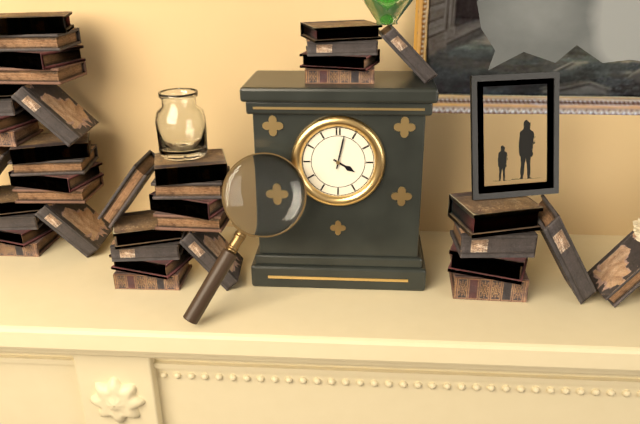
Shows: 4h02
